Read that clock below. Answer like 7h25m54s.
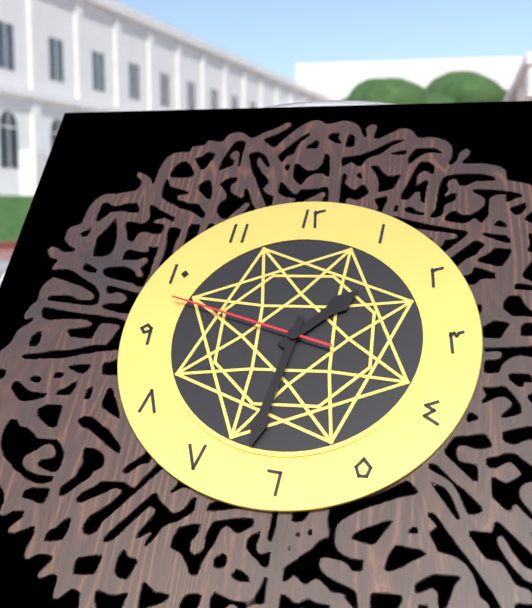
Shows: 1h32m48s
